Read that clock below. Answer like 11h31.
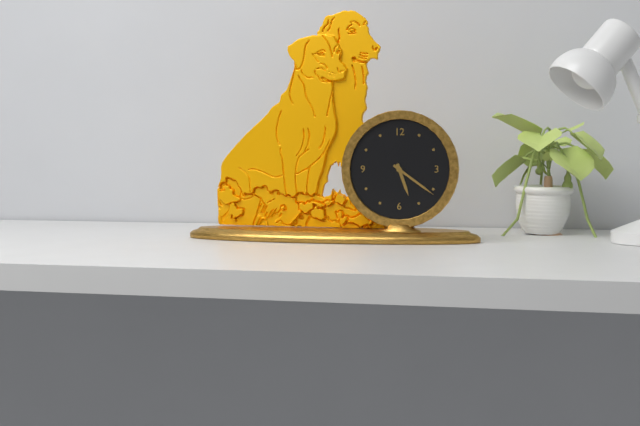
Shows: 5h21
